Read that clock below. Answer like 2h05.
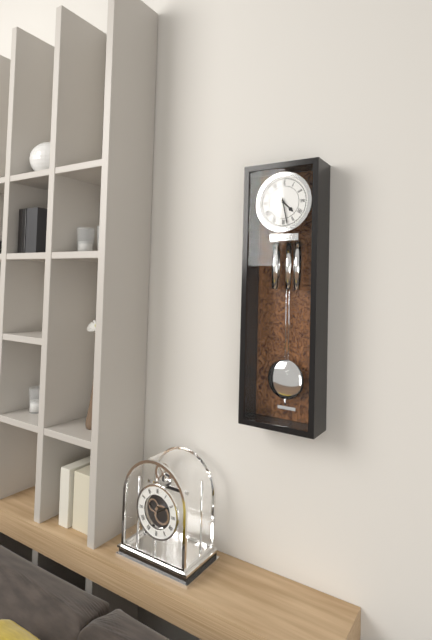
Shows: 4h28
